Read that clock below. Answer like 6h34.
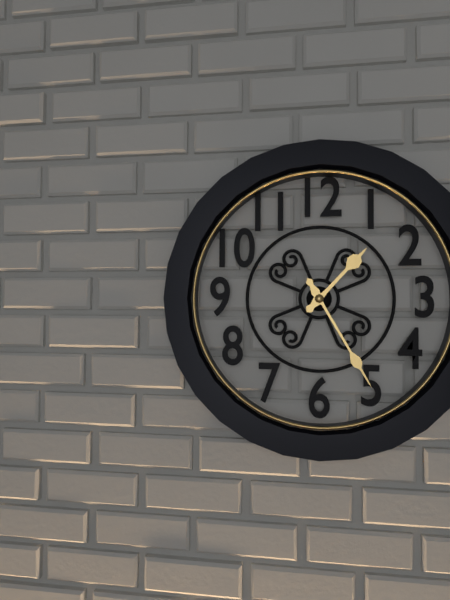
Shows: 1h25
